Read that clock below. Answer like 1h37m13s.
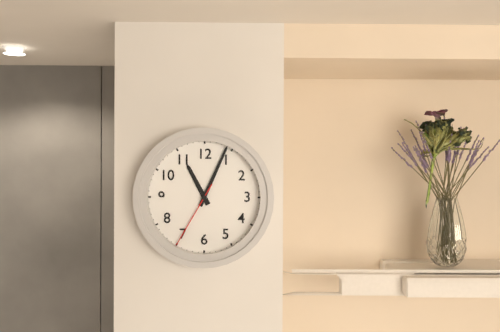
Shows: 11h04m35s
